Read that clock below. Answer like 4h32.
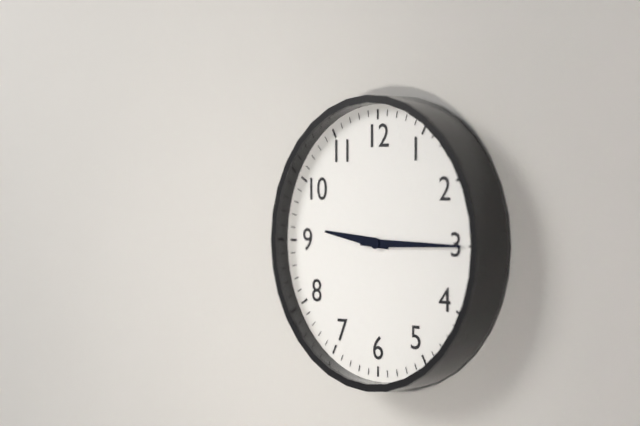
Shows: 9h15
